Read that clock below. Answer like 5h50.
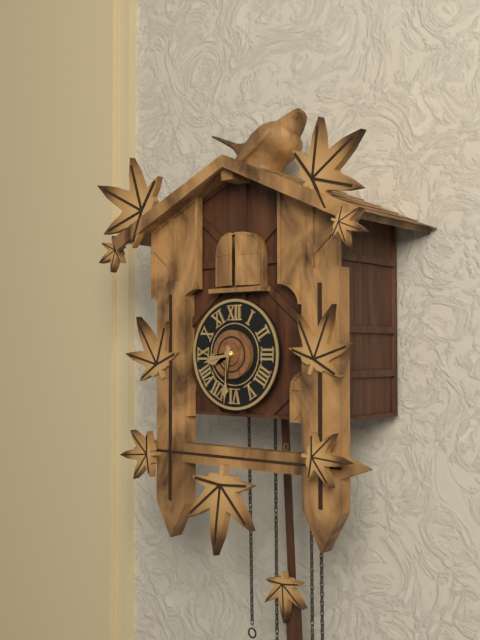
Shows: 8h31
